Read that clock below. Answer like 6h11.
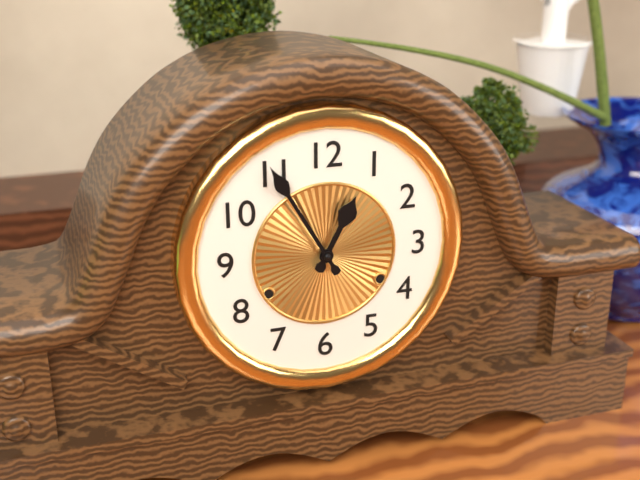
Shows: 12h55
